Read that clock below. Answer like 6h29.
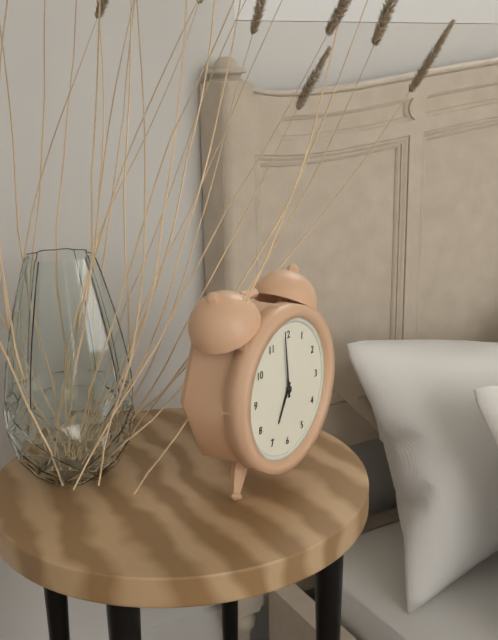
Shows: 6h59
